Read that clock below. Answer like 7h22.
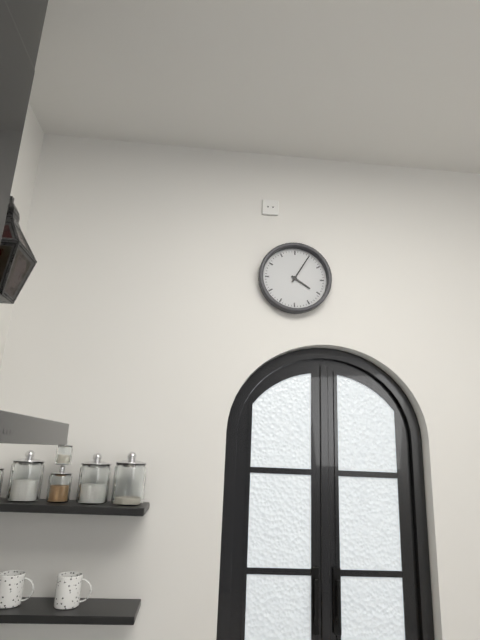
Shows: 4h05
